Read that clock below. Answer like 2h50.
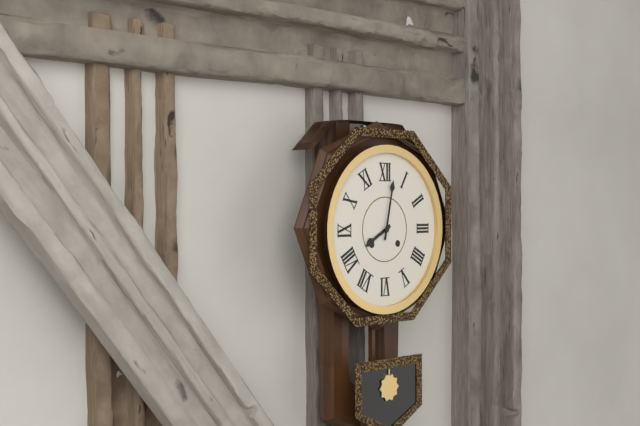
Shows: 8h02
